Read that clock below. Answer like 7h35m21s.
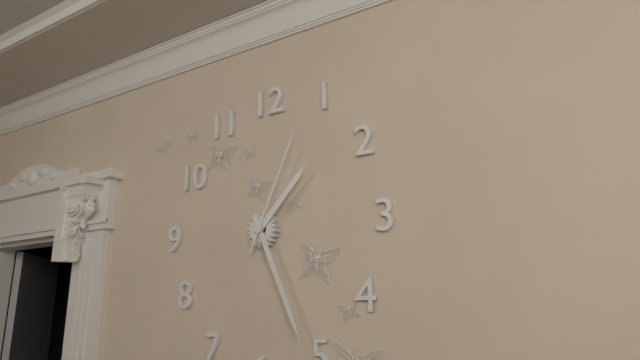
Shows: 1h26m04s
